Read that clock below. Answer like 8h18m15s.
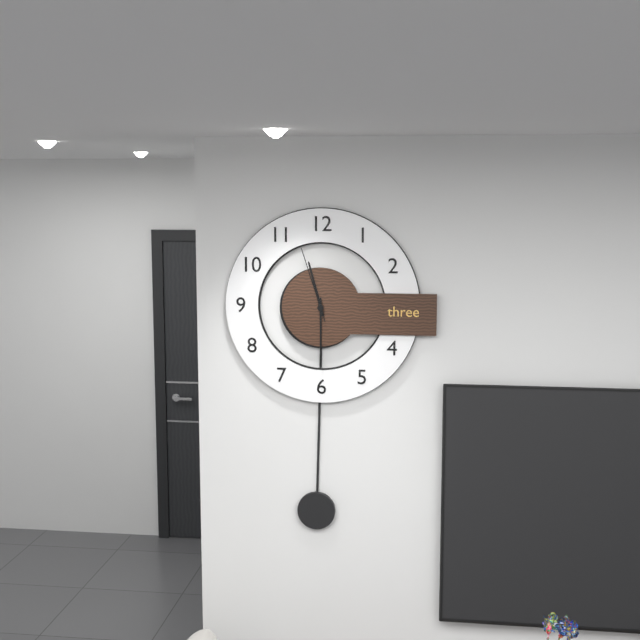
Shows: 11h30m57s
